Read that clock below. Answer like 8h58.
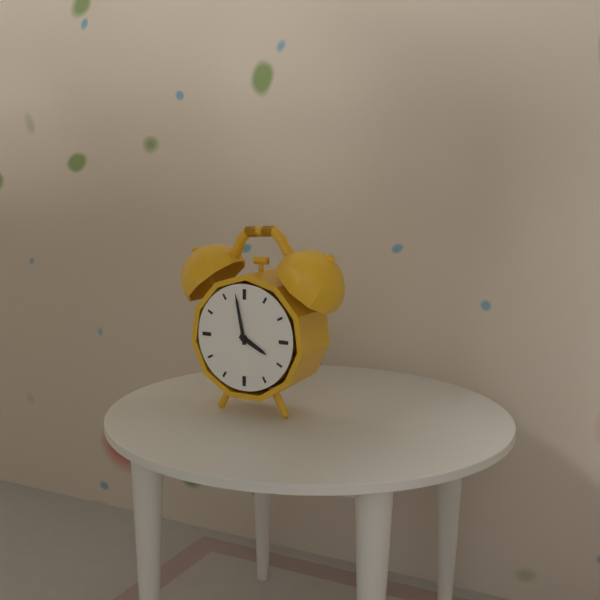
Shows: 3h58
